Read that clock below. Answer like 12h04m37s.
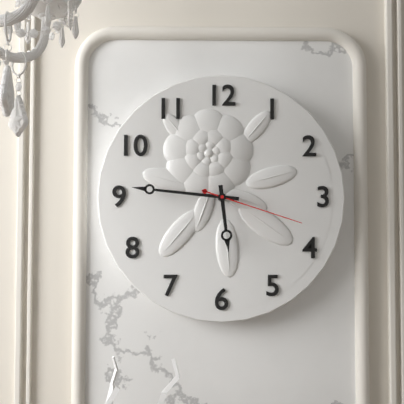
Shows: 5h46m18s
